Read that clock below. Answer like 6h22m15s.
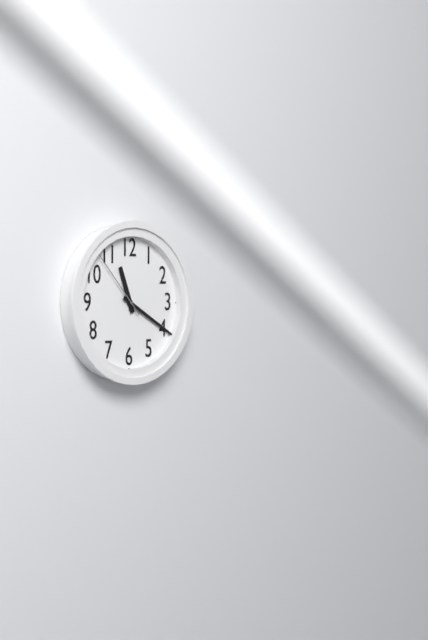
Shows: 11h20m53s
